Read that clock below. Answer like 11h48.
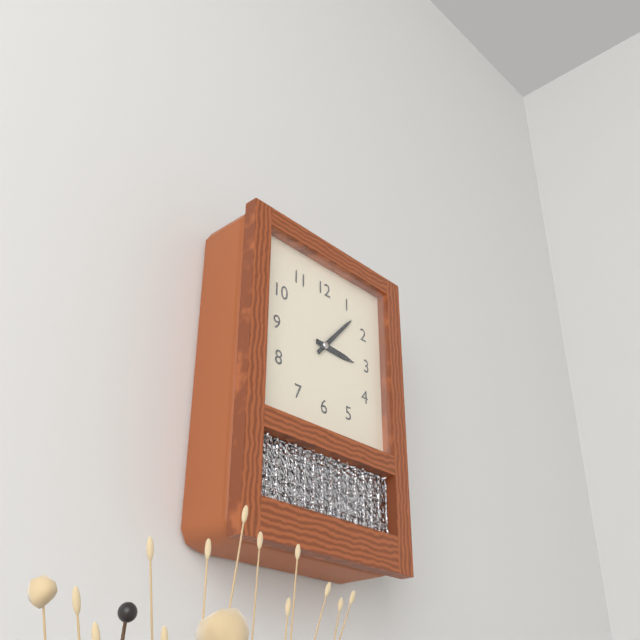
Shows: 3h07
